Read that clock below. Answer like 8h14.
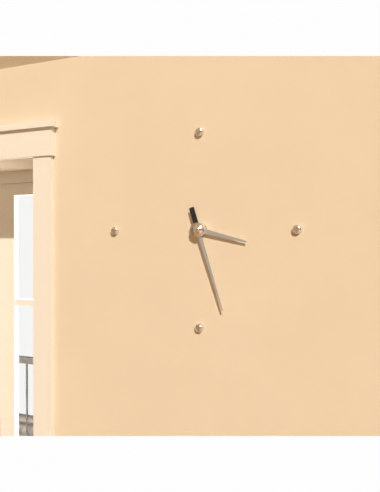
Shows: 3h27
